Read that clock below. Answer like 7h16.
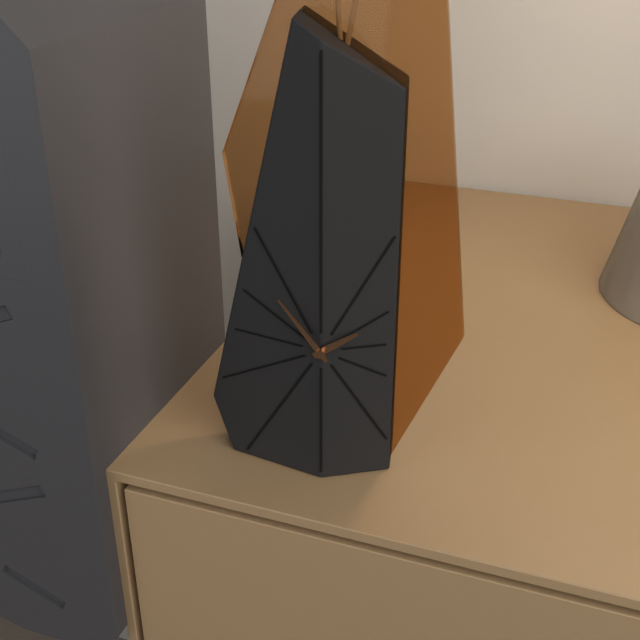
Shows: 1h54
